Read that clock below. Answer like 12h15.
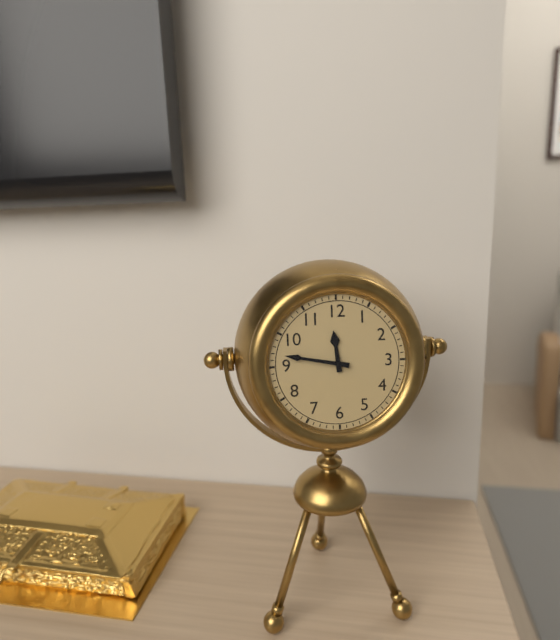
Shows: 11h47
